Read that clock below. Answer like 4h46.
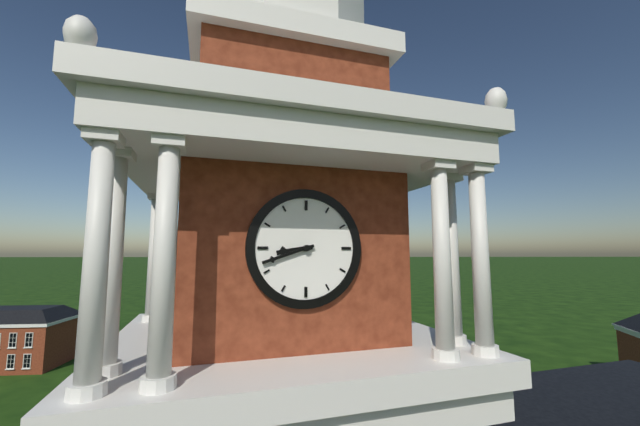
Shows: 8h42
